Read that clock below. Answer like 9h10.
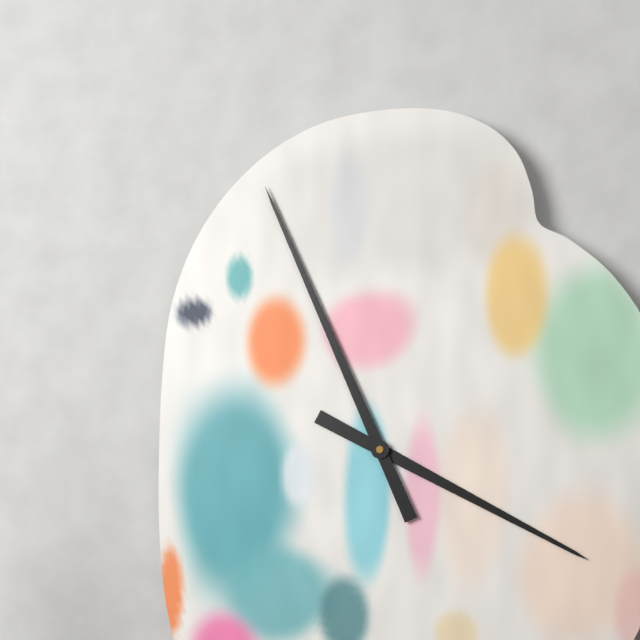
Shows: 3h56
